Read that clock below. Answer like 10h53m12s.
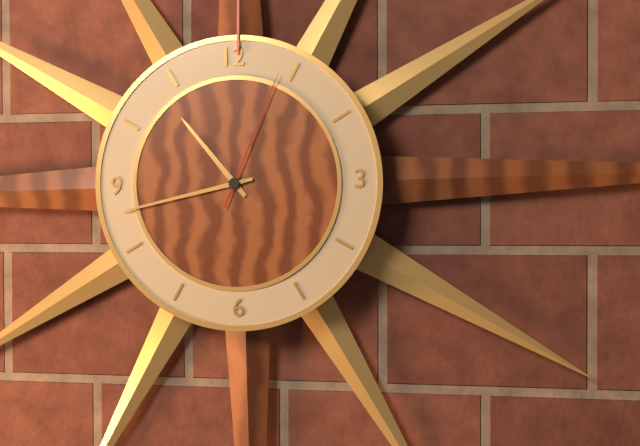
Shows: 10h43m04s
